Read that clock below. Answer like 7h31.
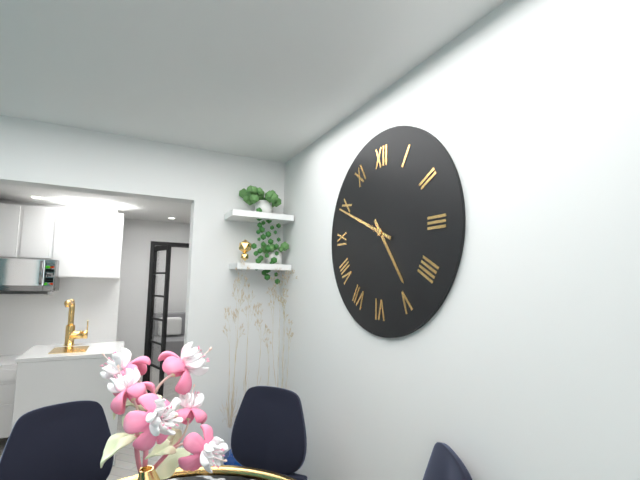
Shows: 4h49
